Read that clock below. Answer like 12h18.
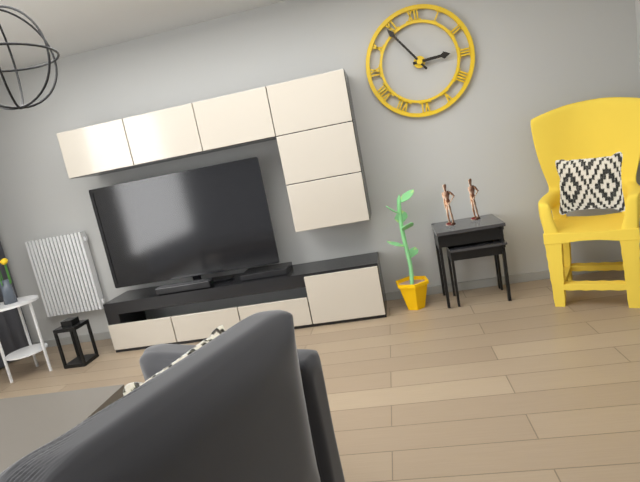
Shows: 2h54
